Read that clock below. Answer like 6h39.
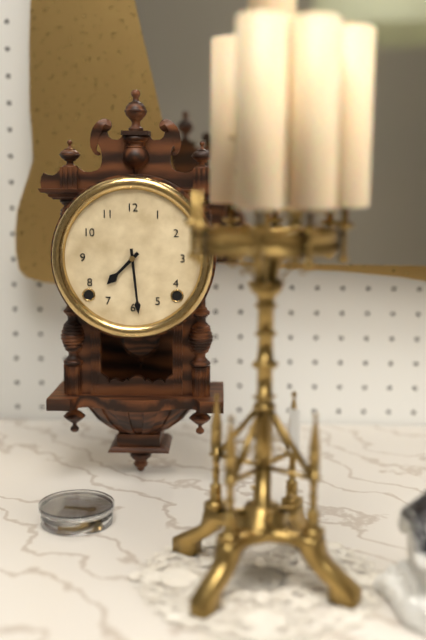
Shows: 7h29
